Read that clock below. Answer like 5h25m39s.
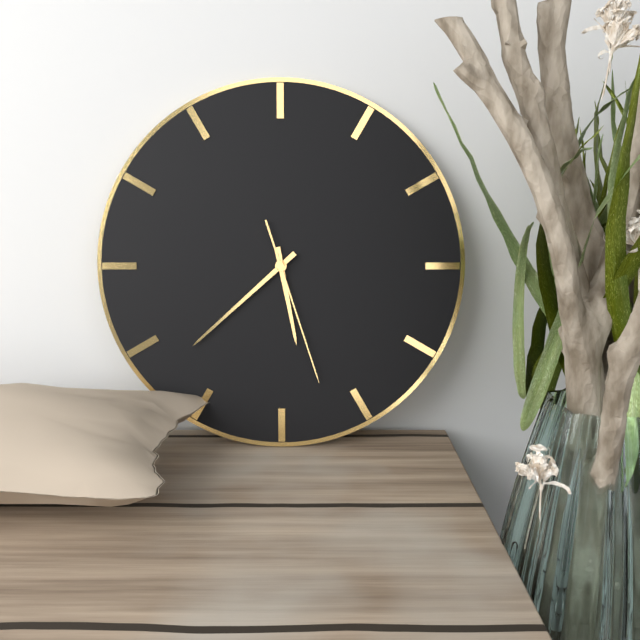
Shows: 5h38m27s
